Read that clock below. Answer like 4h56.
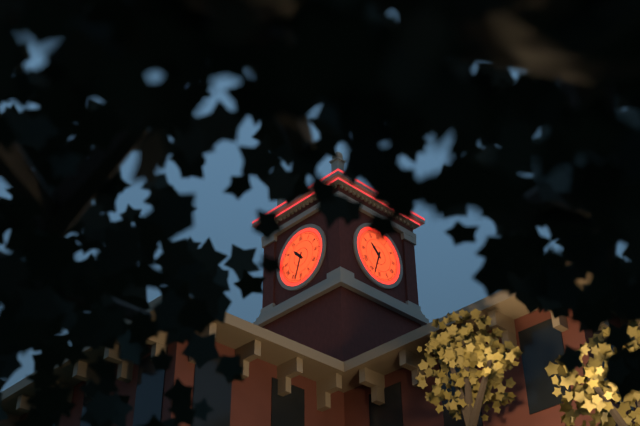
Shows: 10h33
